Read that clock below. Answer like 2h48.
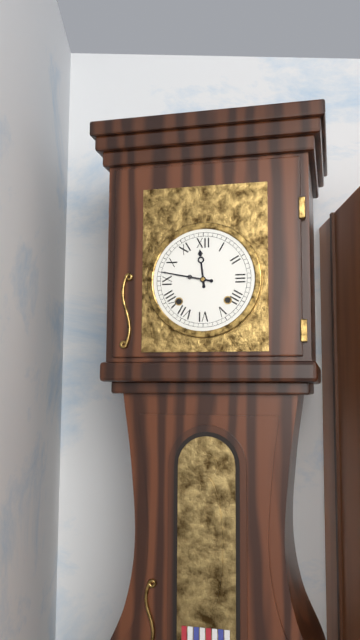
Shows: 11h47
